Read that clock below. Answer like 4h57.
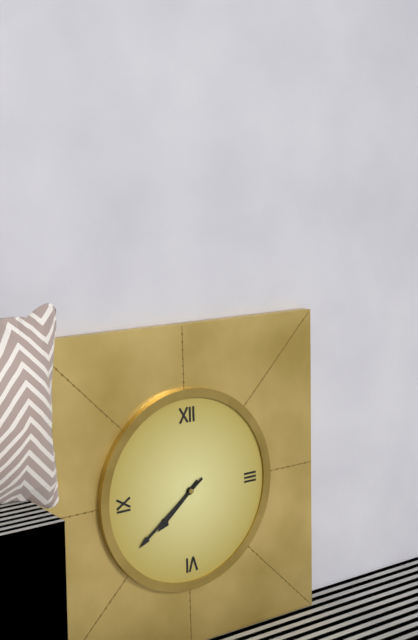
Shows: 7h39
